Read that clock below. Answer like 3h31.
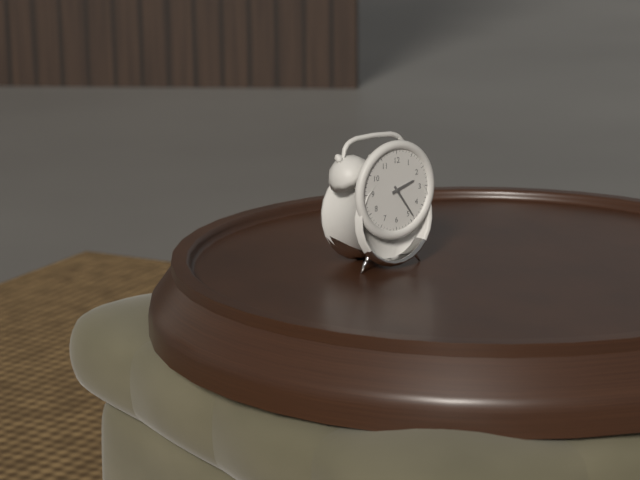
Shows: 2h24
